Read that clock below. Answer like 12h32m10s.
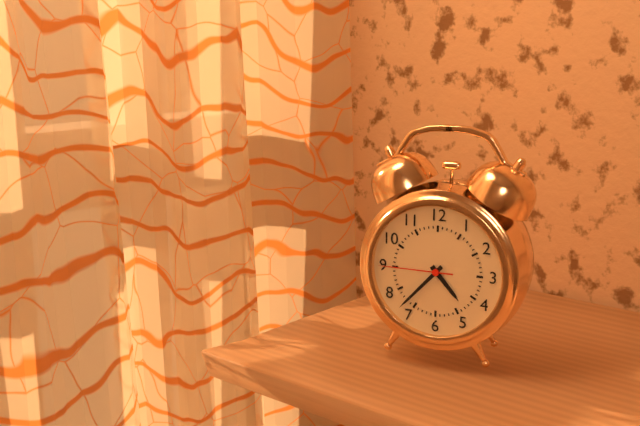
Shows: 4h37m45s
